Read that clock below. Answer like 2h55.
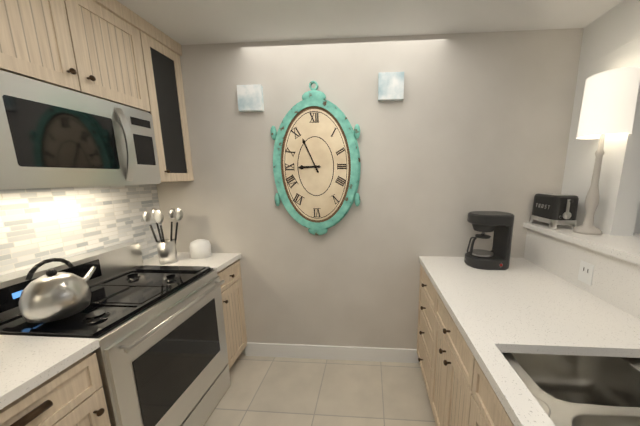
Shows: 8h56
